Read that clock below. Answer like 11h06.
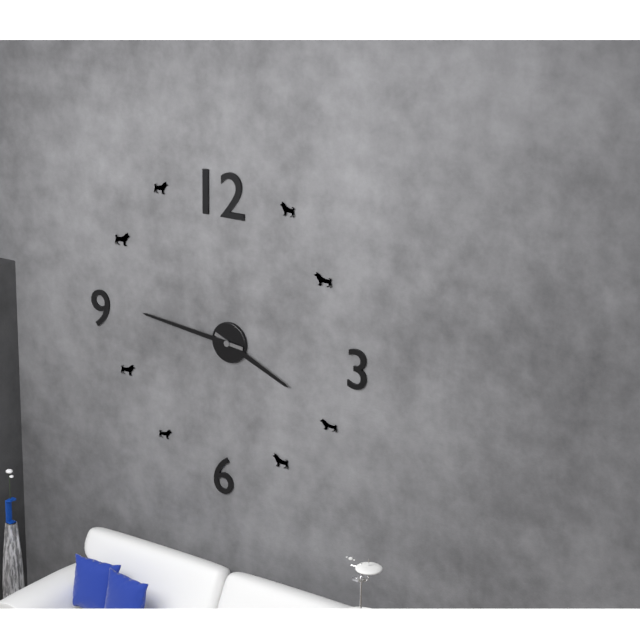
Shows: 3h46
